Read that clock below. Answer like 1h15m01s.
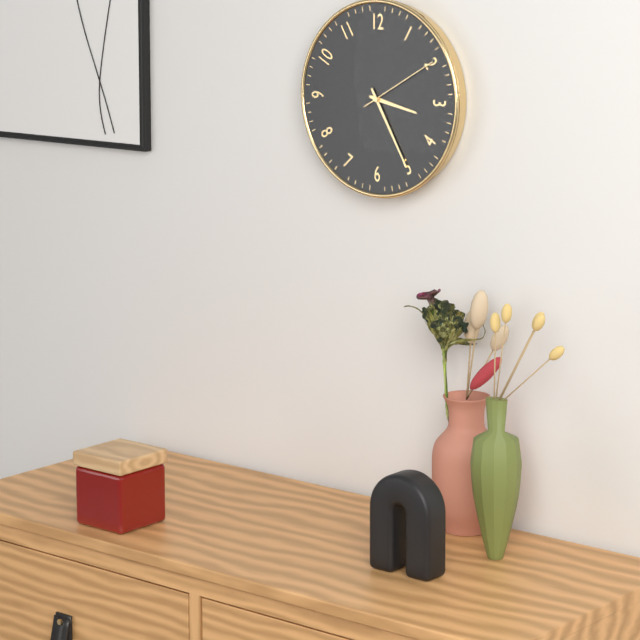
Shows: 3h25m10s
